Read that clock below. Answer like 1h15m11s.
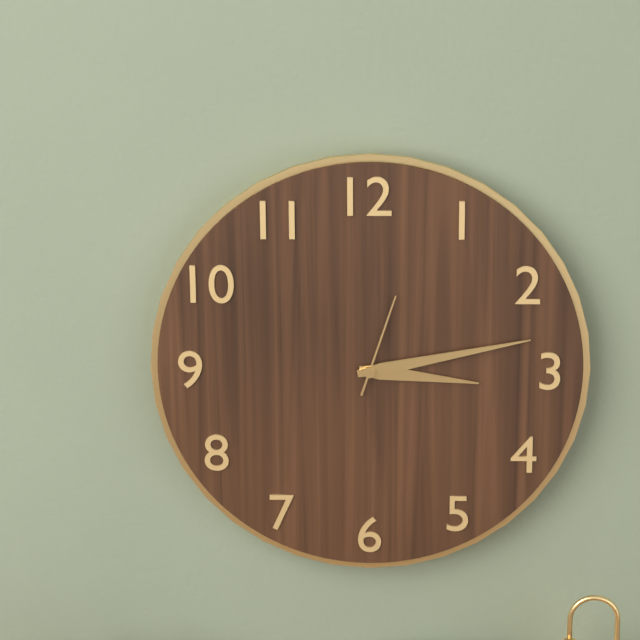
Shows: 3h13m03s
